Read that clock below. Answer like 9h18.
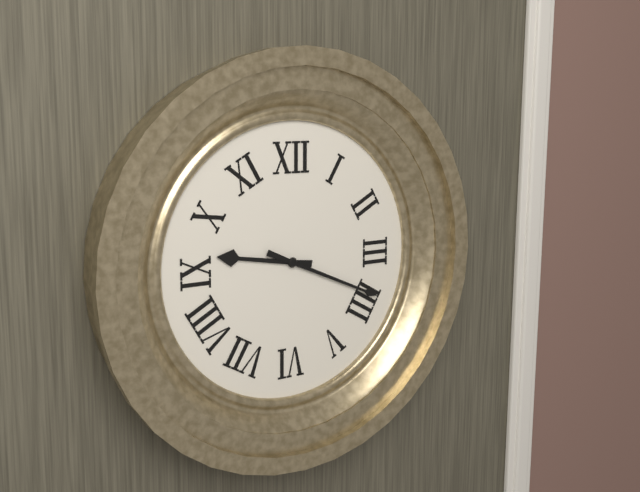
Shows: 9h19
